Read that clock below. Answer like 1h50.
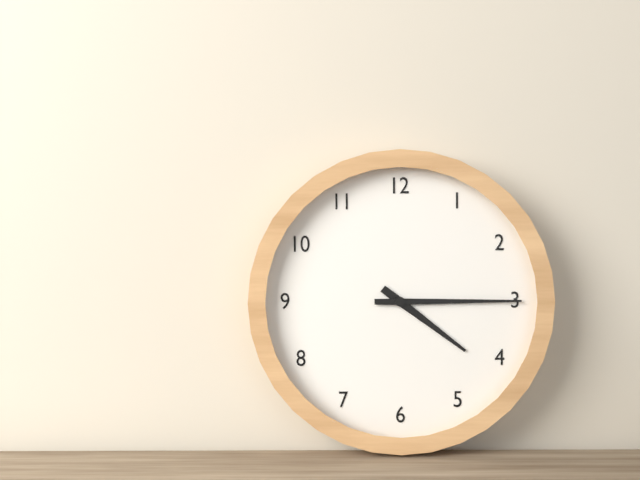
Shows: 4h15
